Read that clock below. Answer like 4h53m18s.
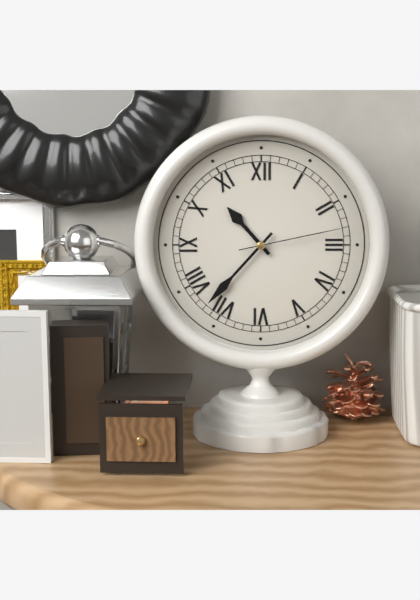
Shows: 10h37m13s
